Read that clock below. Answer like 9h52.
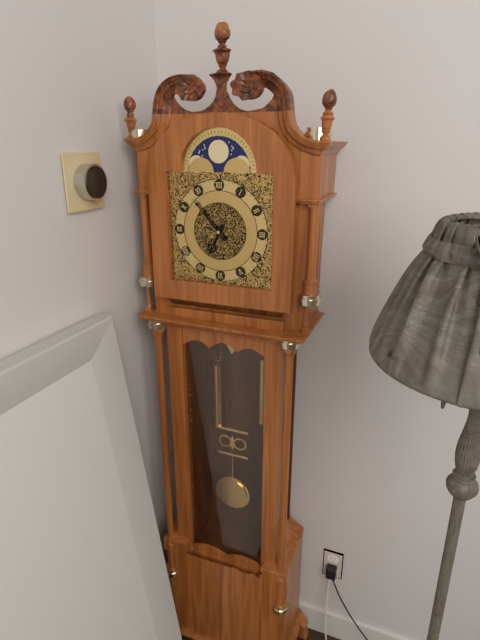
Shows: 6h53
